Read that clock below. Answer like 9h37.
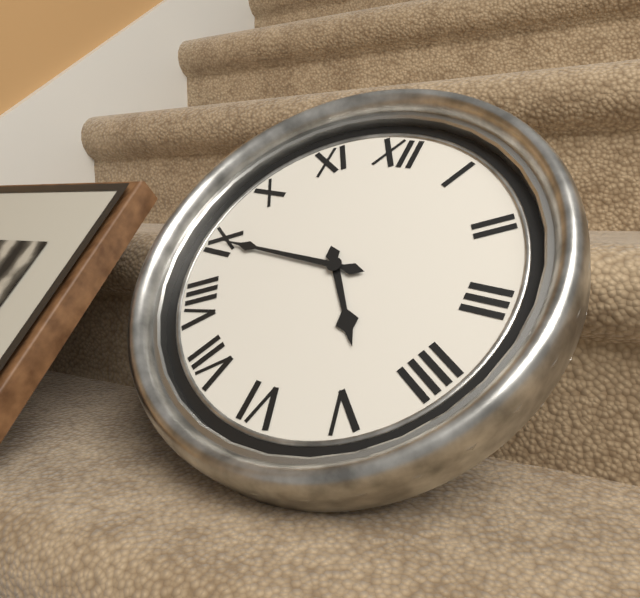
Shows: 4h45
